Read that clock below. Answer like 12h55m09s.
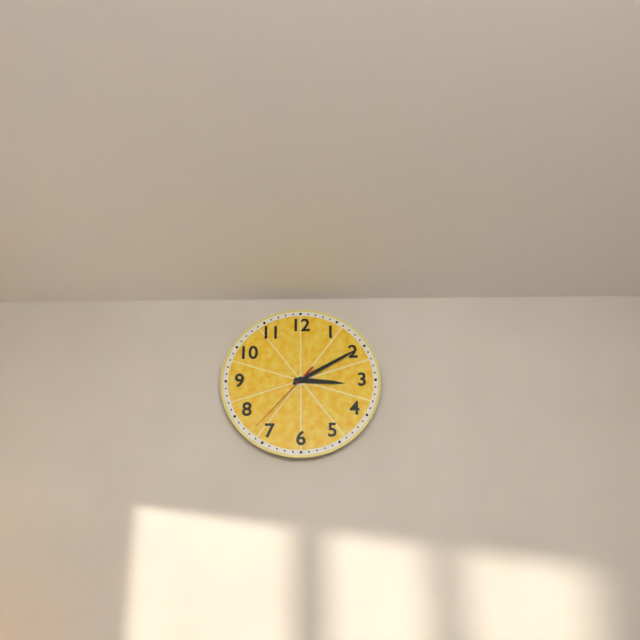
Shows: 3h10m37s
